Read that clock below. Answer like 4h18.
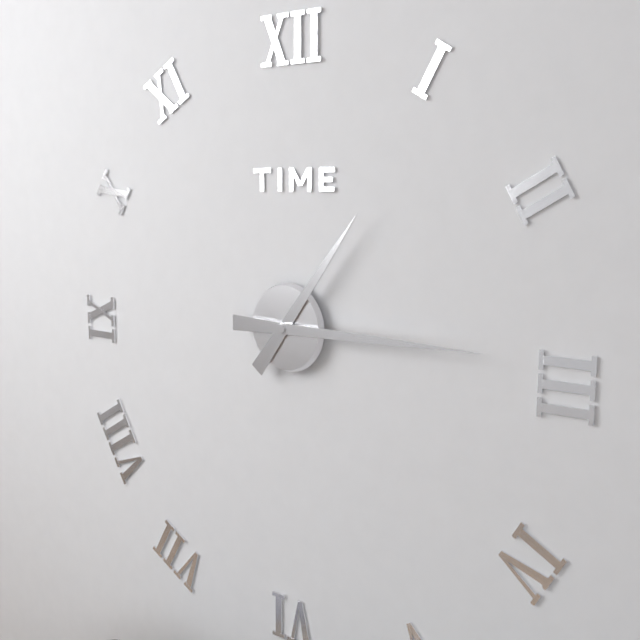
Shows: 1h15
